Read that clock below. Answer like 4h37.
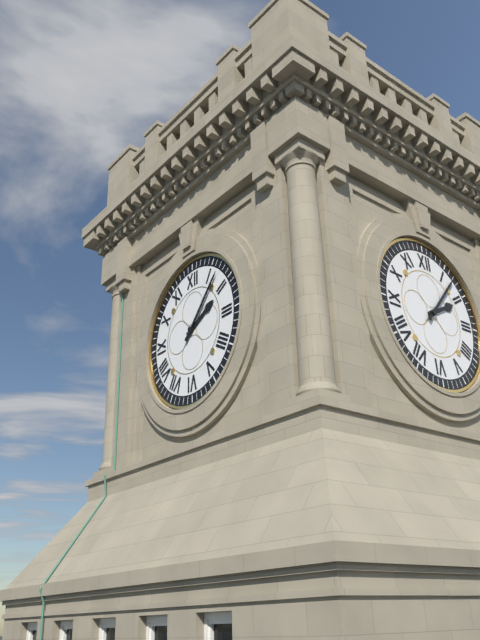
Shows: 2h07
